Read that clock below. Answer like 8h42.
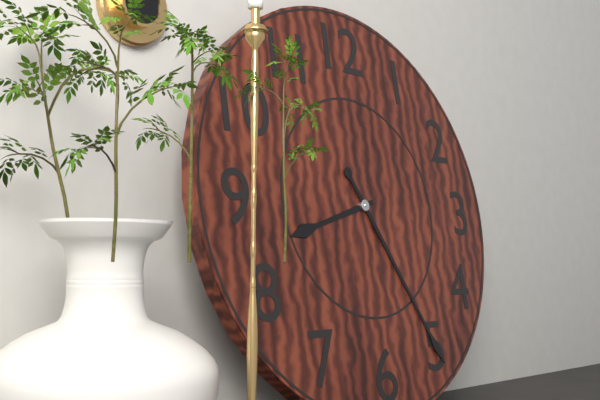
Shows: 8h25
